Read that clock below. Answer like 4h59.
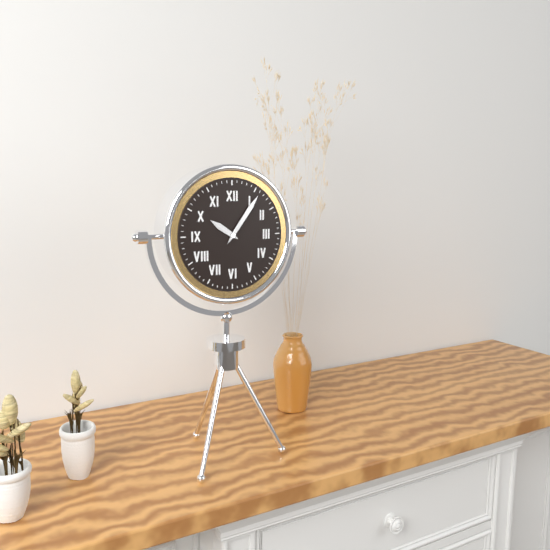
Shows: 10h06
